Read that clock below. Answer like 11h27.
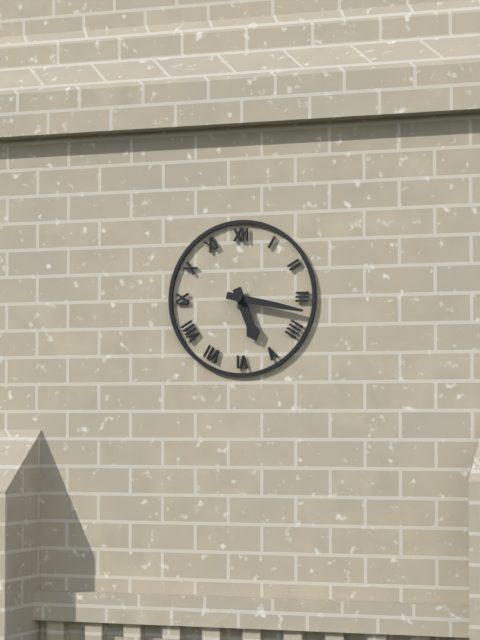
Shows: 5h17
